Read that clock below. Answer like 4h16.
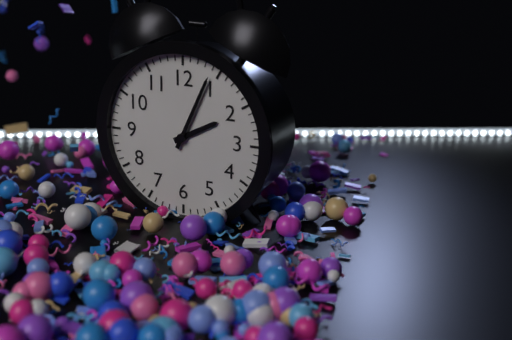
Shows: 2h04
